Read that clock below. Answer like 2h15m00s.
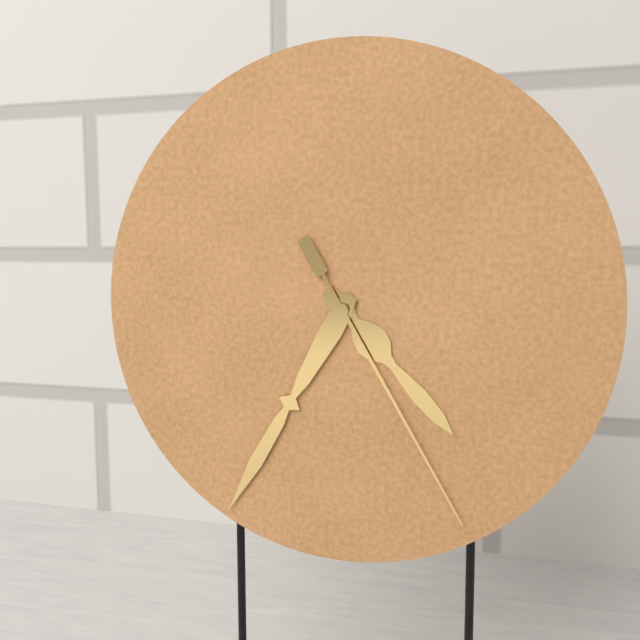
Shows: 4h35m25s
